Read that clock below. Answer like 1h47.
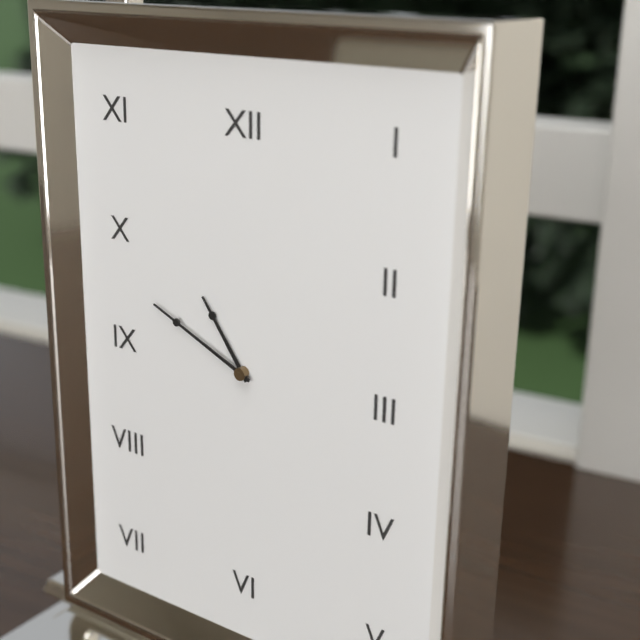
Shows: 10h49
